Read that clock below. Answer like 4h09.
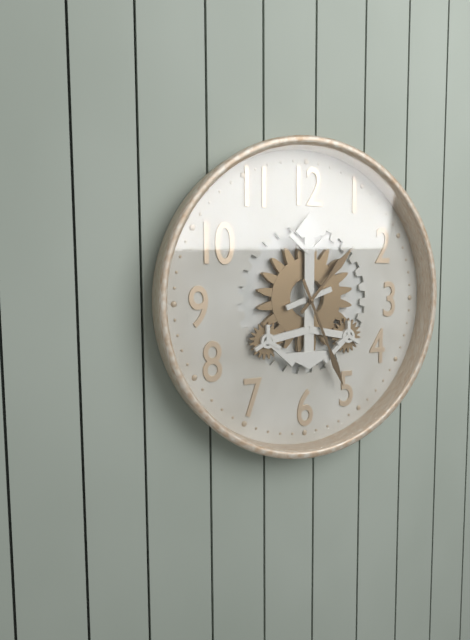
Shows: 1h26
